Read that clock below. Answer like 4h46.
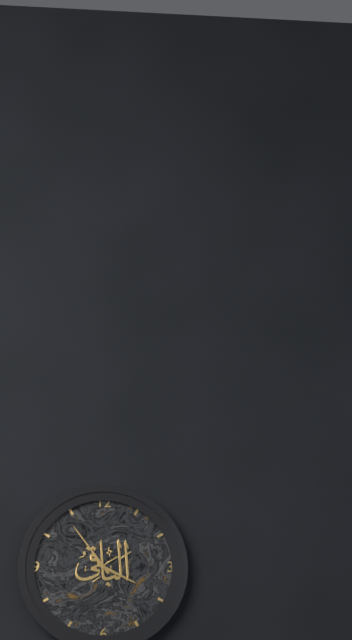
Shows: 3h54
